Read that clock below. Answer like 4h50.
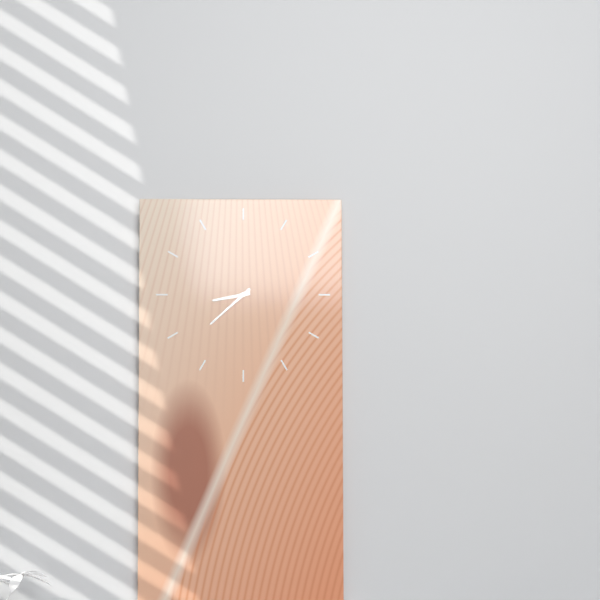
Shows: 8h38
